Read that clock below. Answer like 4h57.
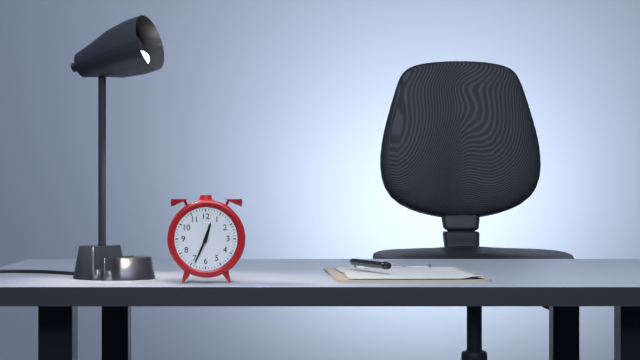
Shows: 12h34
